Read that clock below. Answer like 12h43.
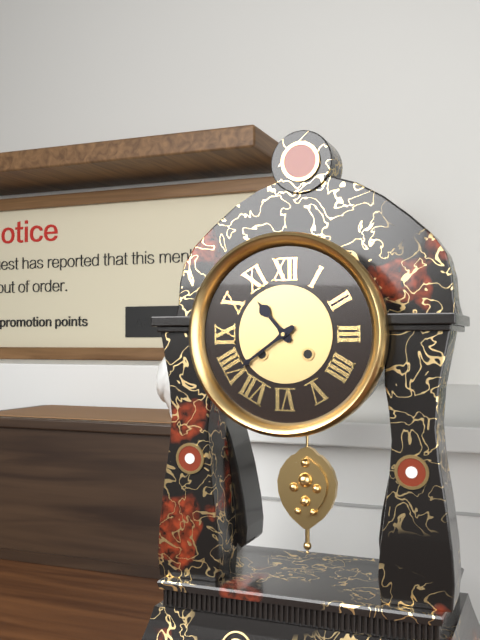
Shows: 10h39
